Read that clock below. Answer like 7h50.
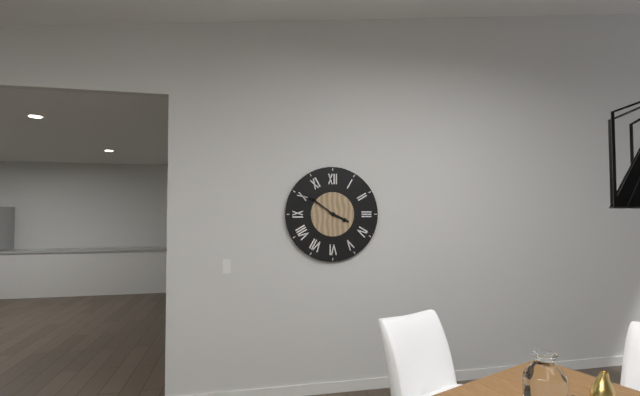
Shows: 3h51
